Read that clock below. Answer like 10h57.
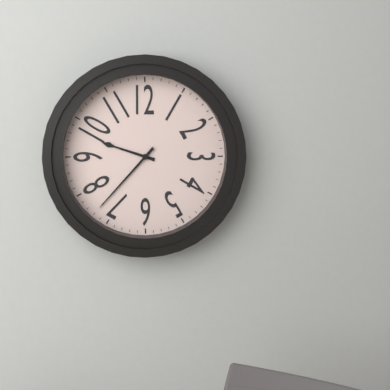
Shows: 9h37
